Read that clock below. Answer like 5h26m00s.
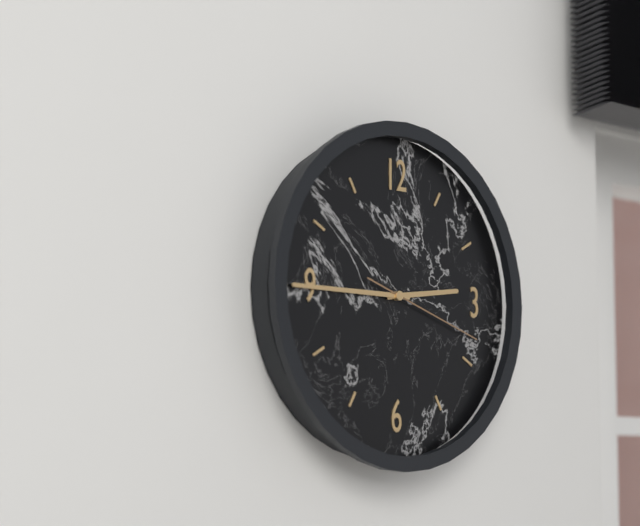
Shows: 2h45m18s
